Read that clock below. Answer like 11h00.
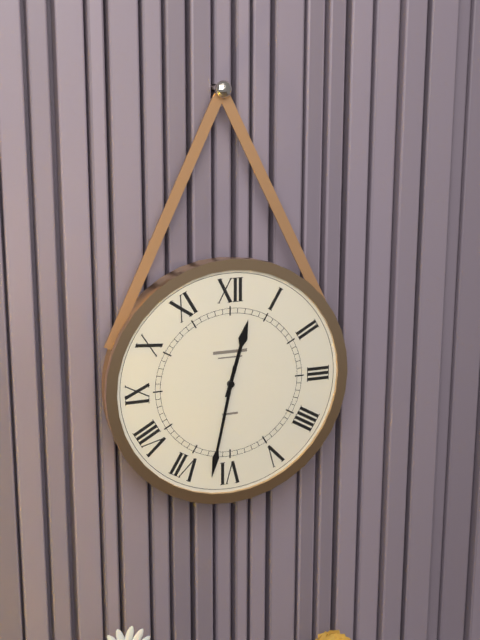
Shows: 12h32
